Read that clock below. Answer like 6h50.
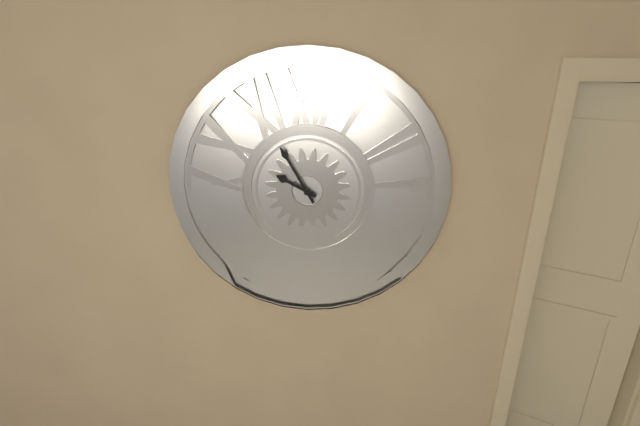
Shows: 9h55
